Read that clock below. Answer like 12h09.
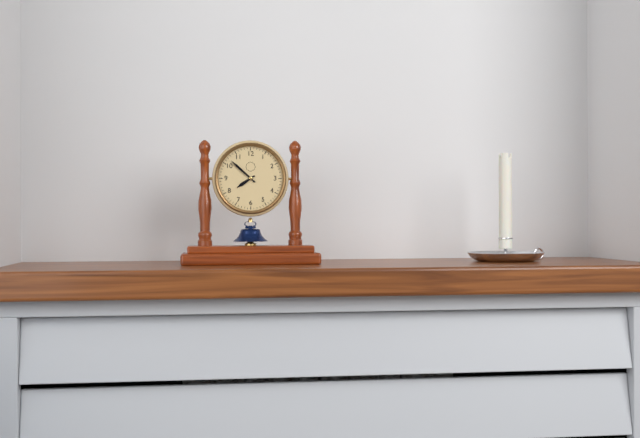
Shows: 7h52
